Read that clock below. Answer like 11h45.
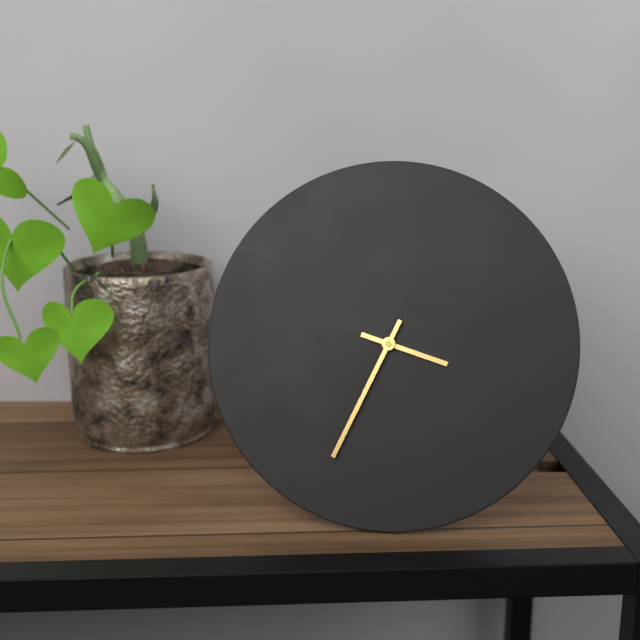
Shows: 3h34
